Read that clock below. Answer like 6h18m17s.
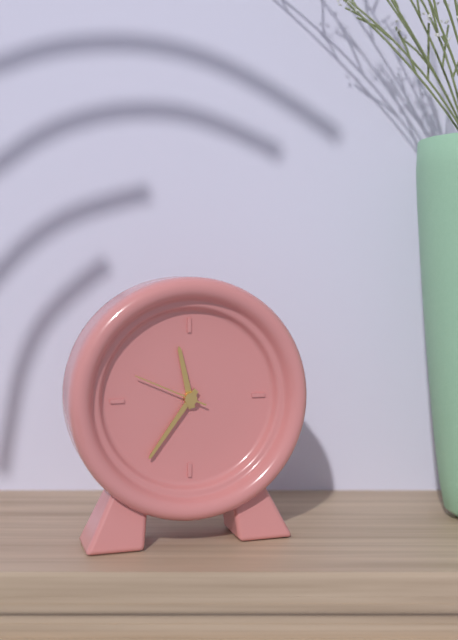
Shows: 11h36m49s
